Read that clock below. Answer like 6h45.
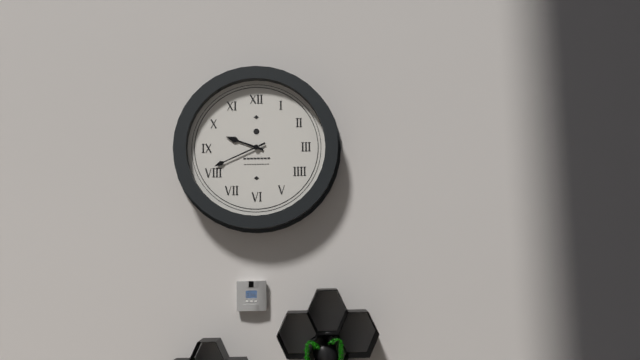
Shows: 9h41
